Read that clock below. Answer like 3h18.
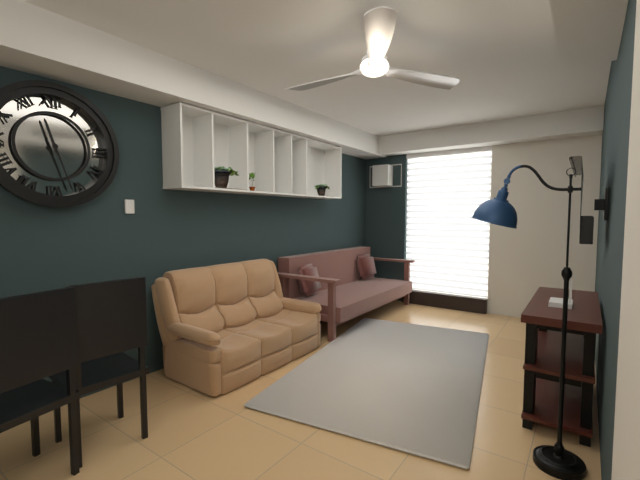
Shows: 11h27
